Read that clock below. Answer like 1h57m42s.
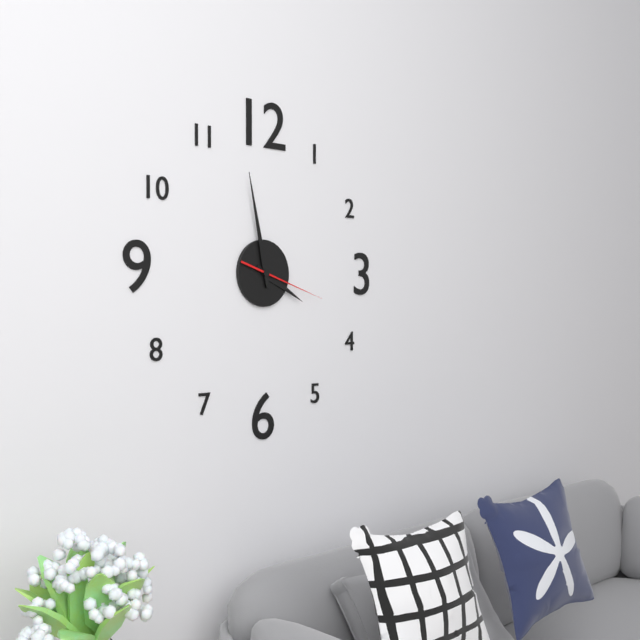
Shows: 3h58m18s
